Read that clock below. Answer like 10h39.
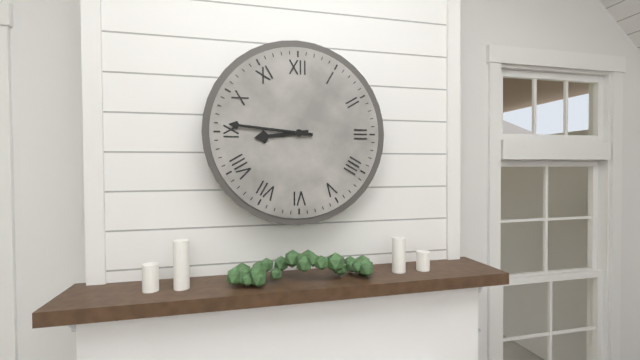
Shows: 8h46
